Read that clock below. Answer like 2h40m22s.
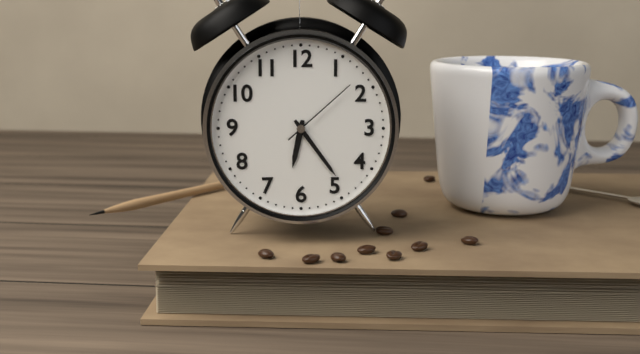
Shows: 6h24m08s
